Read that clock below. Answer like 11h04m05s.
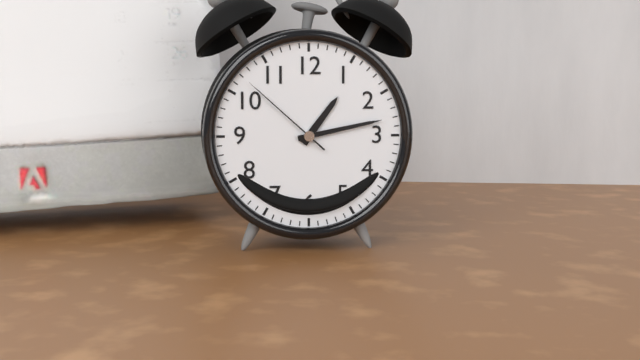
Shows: 1h13m52s
